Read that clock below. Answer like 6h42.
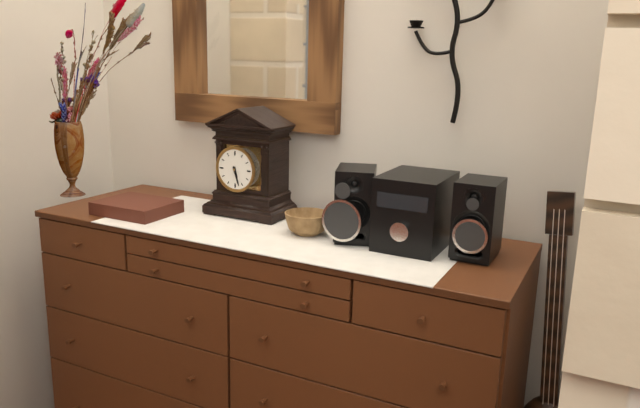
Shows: 5h27
